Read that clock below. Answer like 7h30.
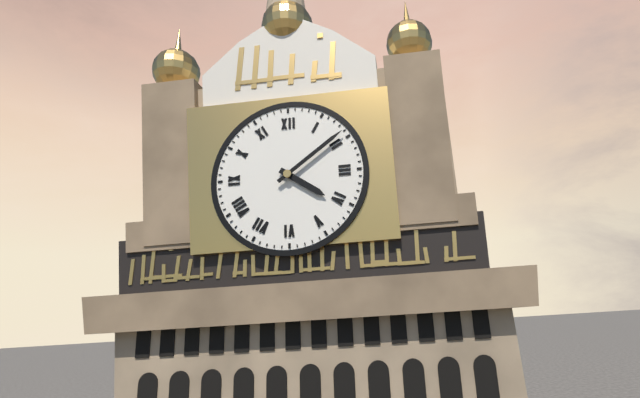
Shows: 4h09
